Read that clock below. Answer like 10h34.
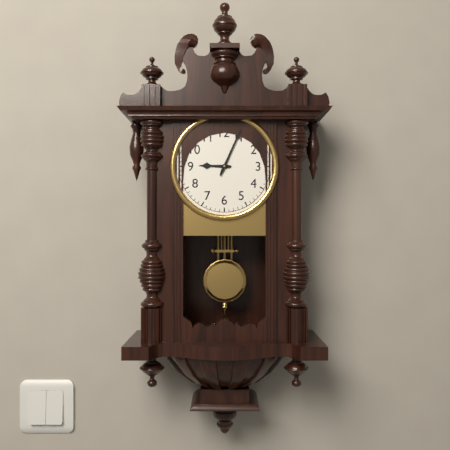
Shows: 9h04
